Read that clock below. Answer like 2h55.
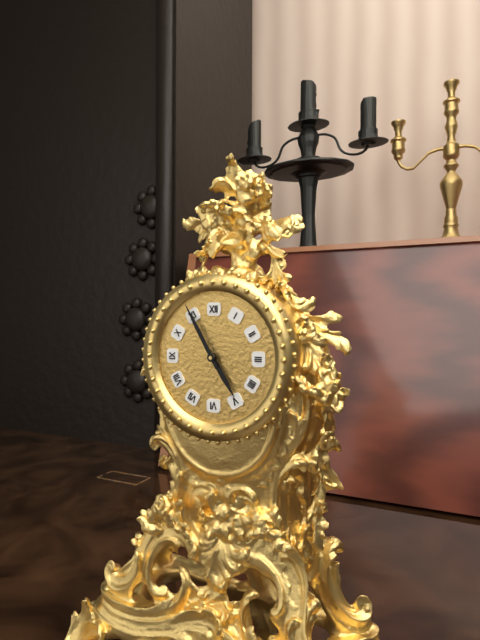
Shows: 4h55
